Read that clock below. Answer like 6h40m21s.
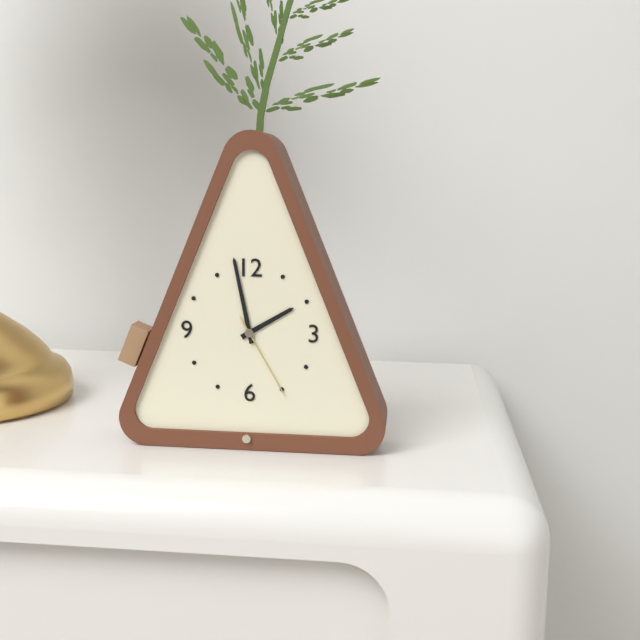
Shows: 1h58m25s
